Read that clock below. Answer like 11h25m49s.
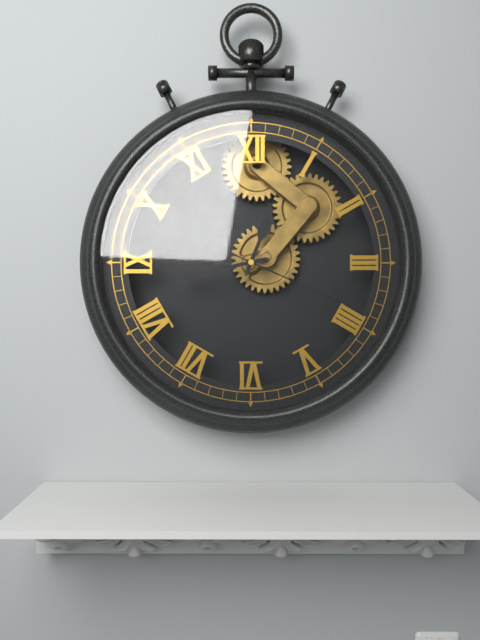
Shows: 12h43m19s
